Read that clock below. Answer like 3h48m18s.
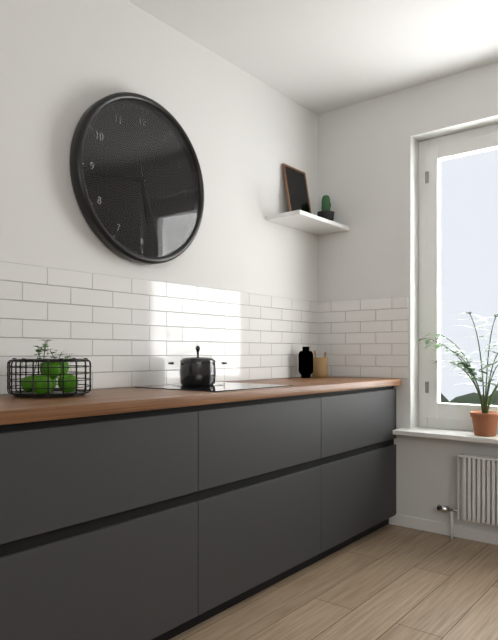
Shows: 5h44m27s
